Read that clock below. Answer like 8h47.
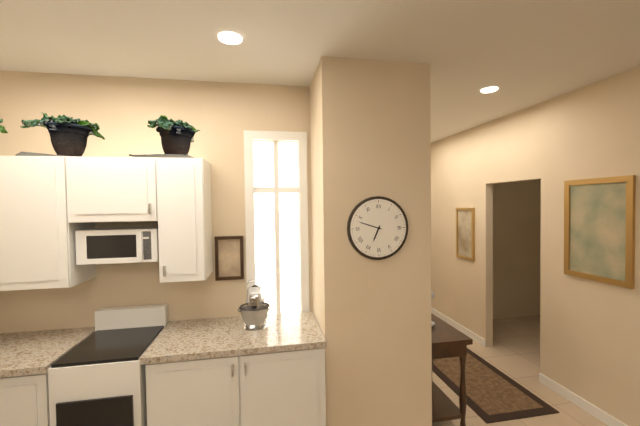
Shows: 6h48
